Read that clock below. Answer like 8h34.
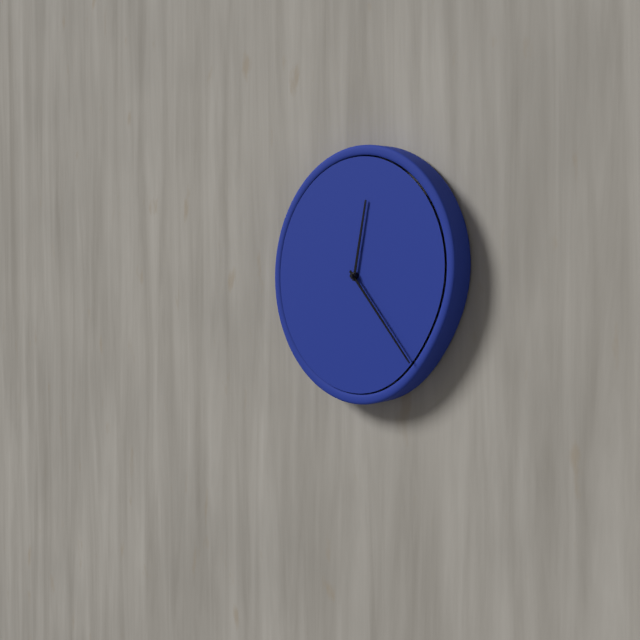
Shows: 12h23
